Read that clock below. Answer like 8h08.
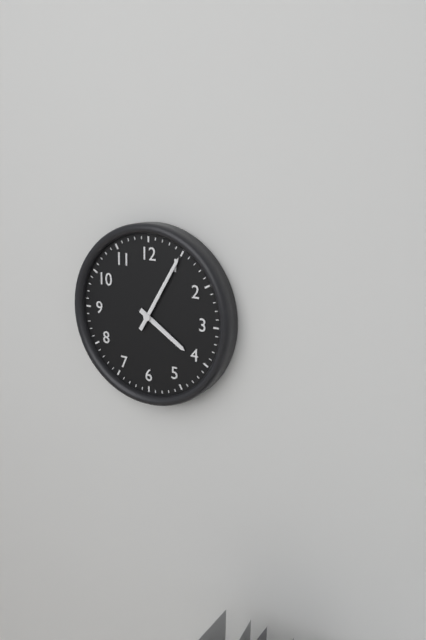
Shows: 4h05
